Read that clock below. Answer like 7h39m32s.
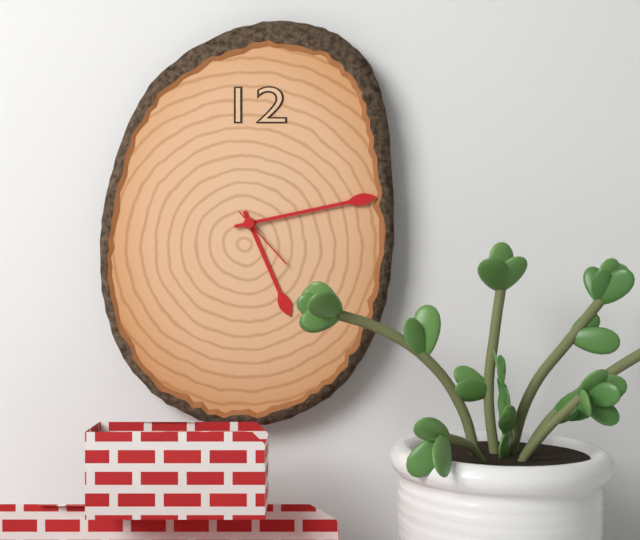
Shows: 5h13m23s
